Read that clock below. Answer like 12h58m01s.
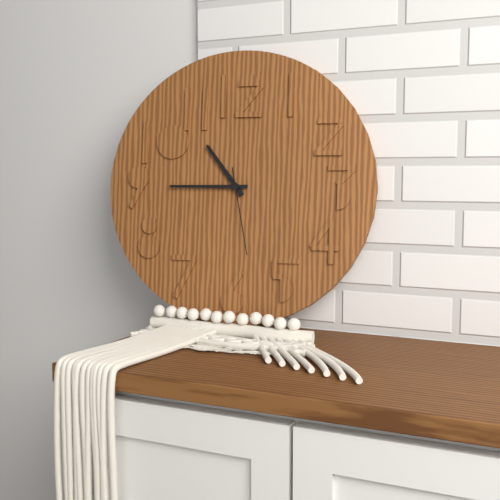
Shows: 10h45m28s
